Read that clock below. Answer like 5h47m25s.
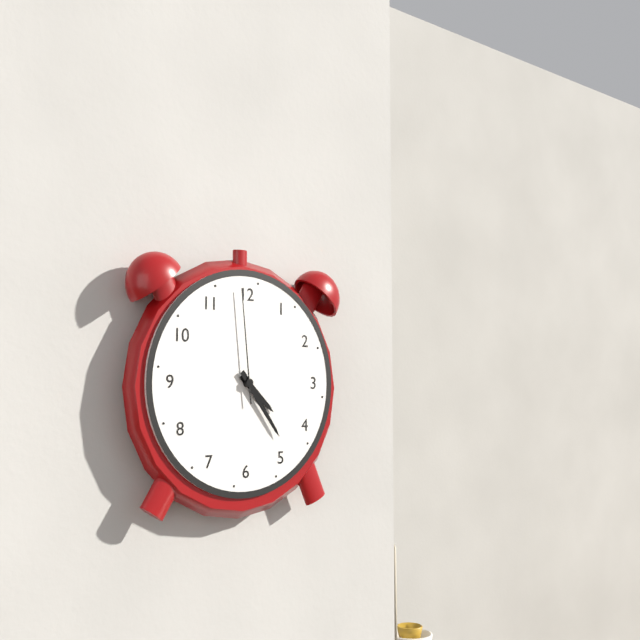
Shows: 4h24m59s
